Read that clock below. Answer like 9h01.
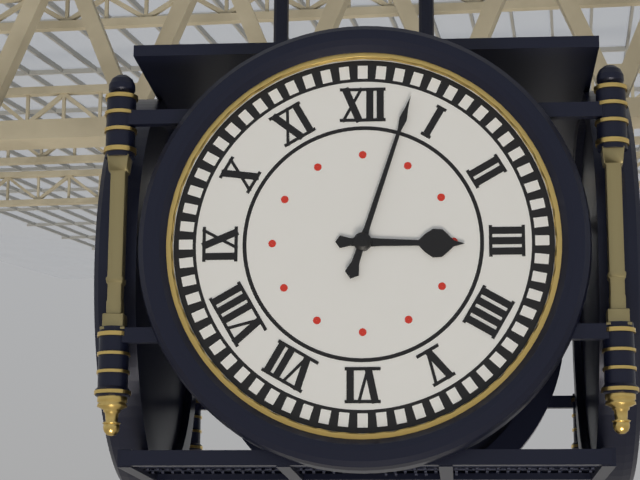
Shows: 3h03
